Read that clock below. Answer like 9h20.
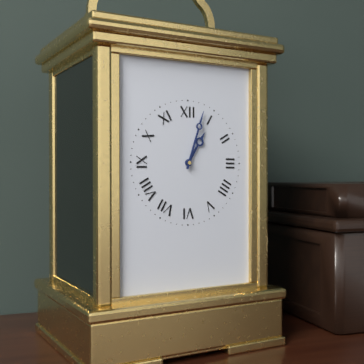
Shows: 1h03
